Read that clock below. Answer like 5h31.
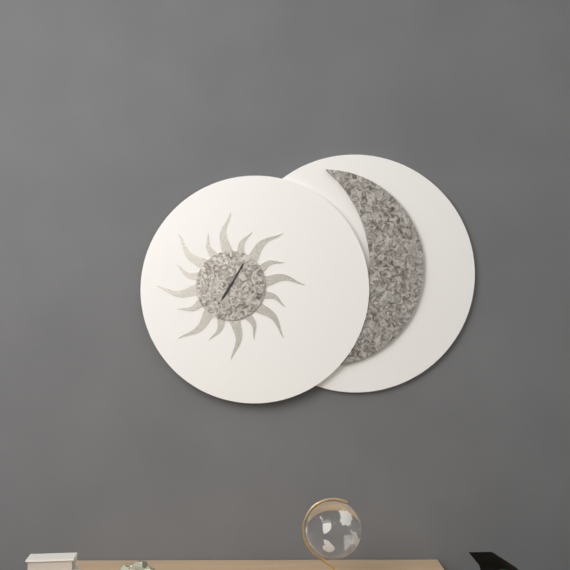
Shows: 7h05
